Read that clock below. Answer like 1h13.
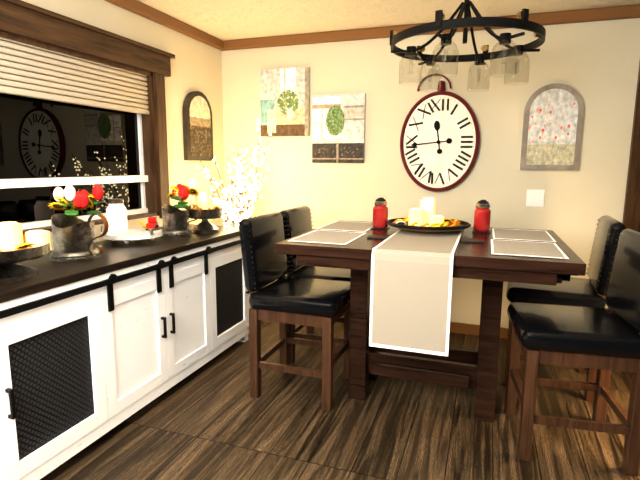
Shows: 11h44
